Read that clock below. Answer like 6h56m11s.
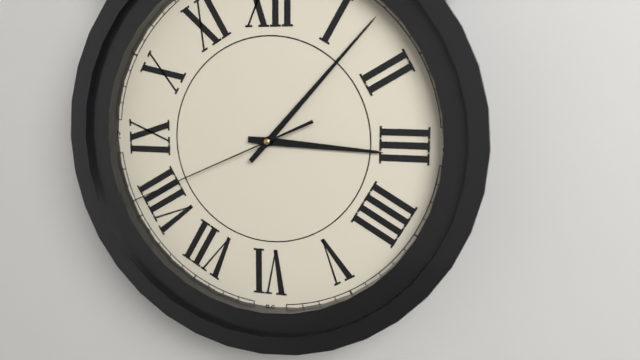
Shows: 3h07m41s
